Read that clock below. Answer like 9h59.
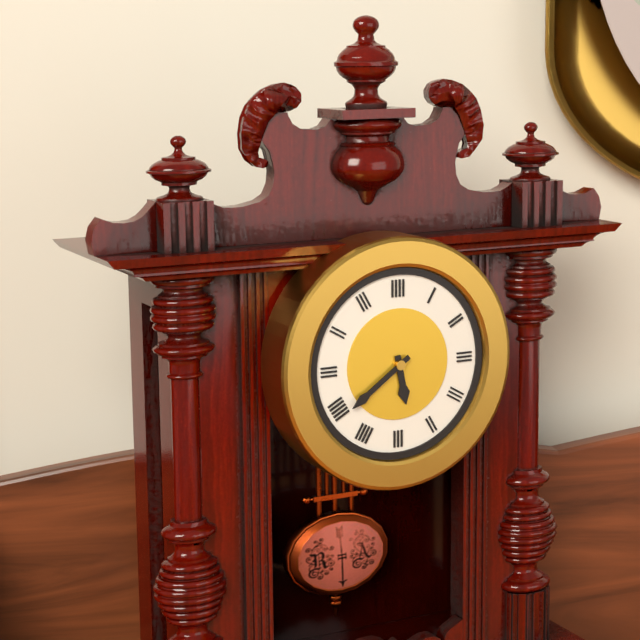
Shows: 5h39
